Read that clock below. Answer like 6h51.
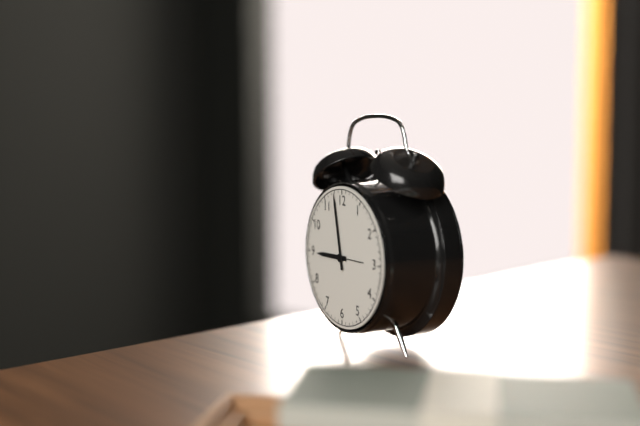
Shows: 8h58
